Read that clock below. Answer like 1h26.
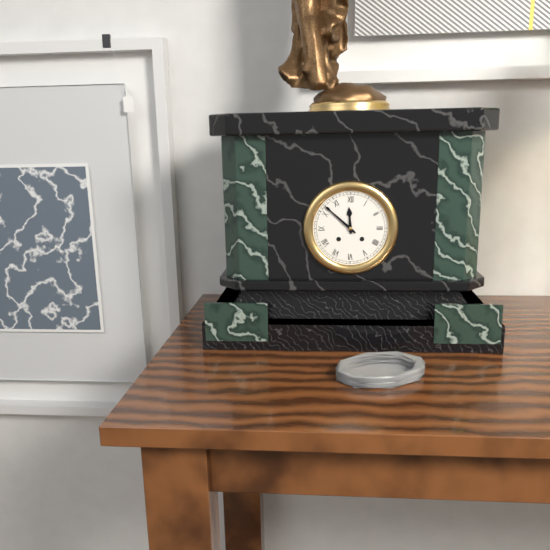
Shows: 11h52
